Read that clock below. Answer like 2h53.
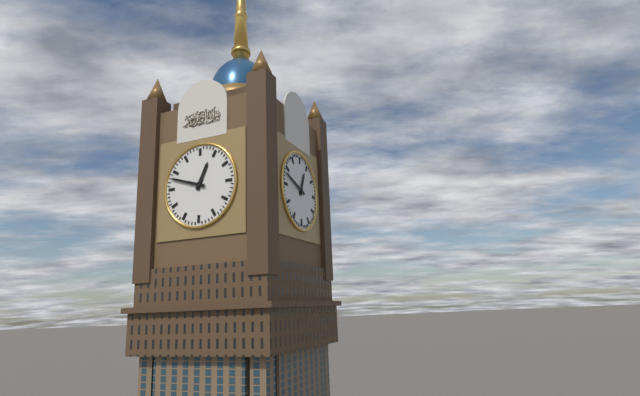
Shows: 12h48
